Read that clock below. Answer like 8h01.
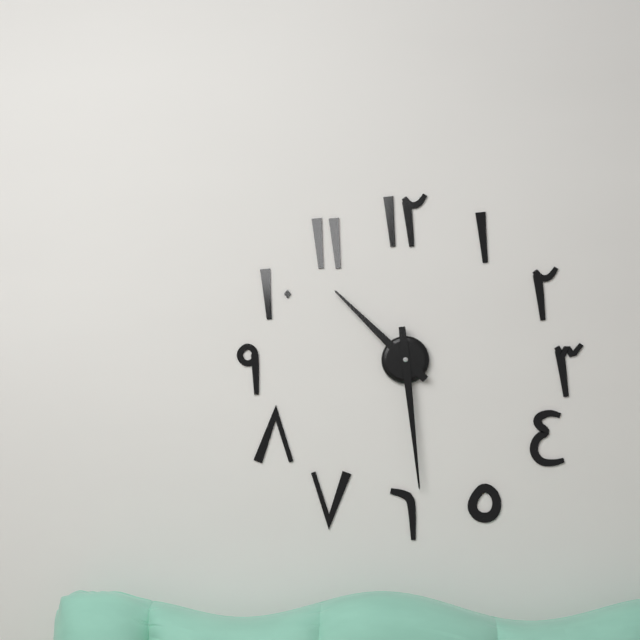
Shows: 10h29
